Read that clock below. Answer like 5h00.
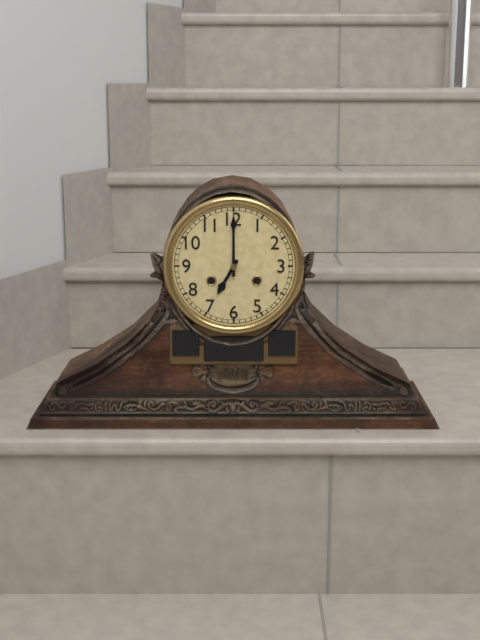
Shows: 7h00
